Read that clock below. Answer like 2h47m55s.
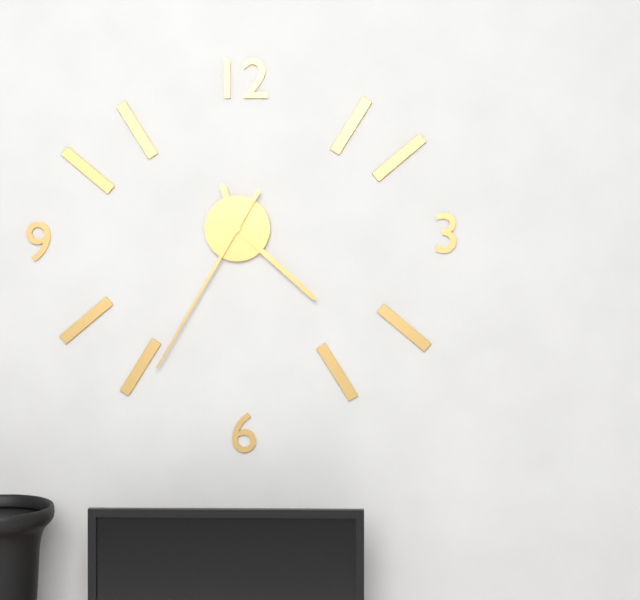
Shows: 11h22m35s
